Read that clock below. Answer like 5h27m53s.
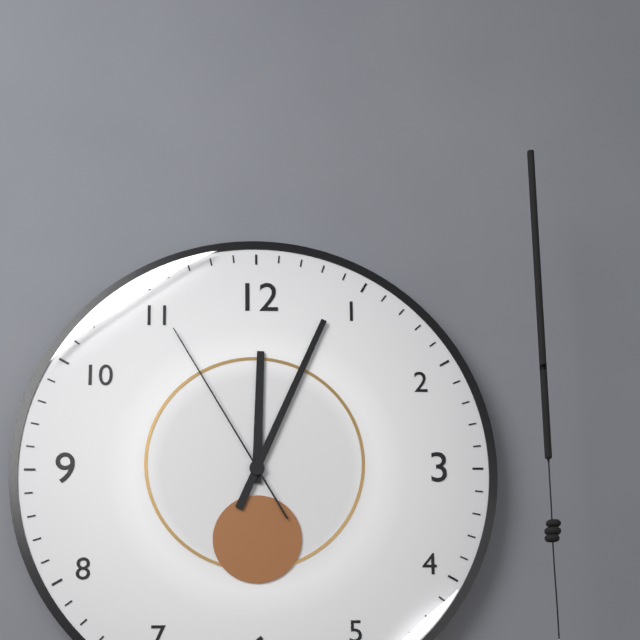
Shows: 12h04m55s
